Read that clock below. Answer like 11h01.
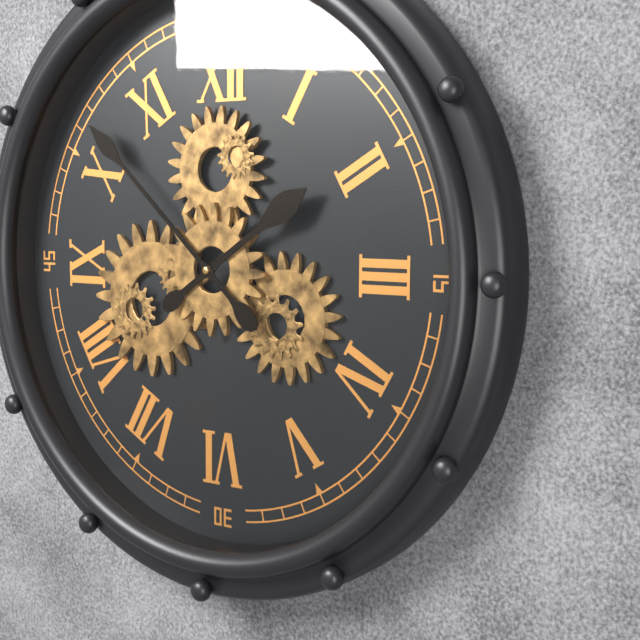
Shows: 1h52
